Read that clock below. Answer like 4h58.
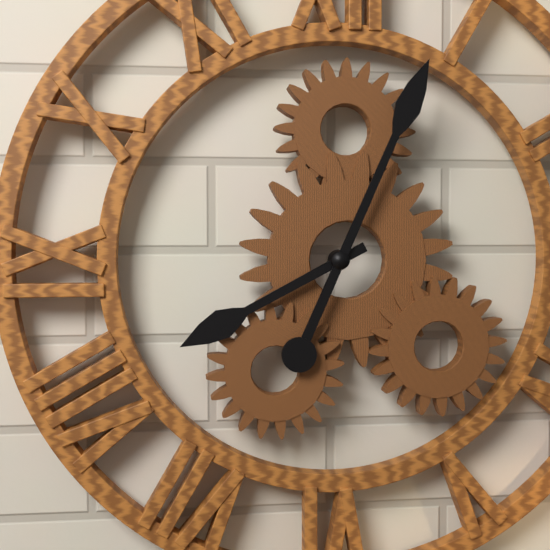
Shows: 8h04
